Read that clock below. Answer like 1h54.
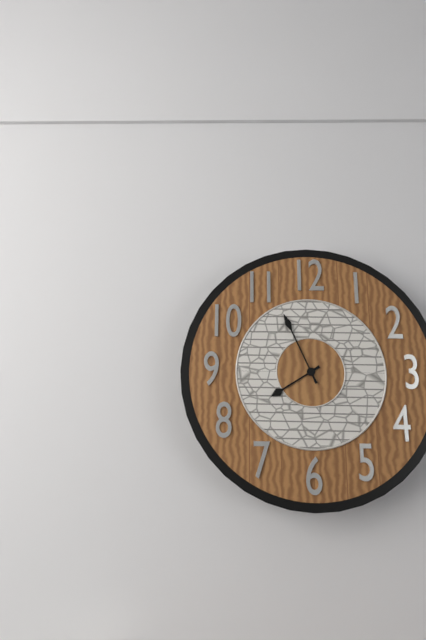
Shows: 7h56
